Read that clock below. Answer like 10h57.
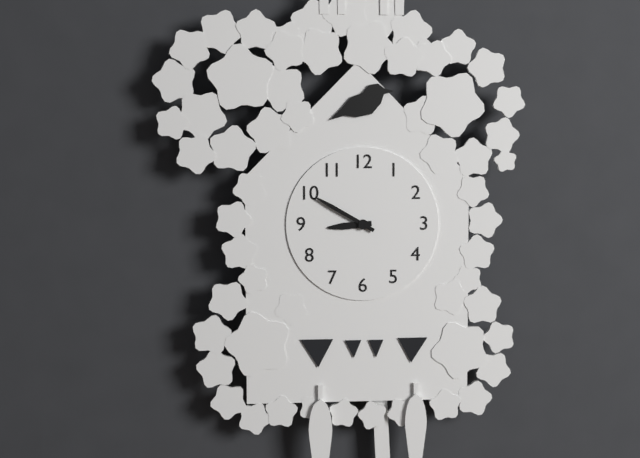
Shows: 8h50
